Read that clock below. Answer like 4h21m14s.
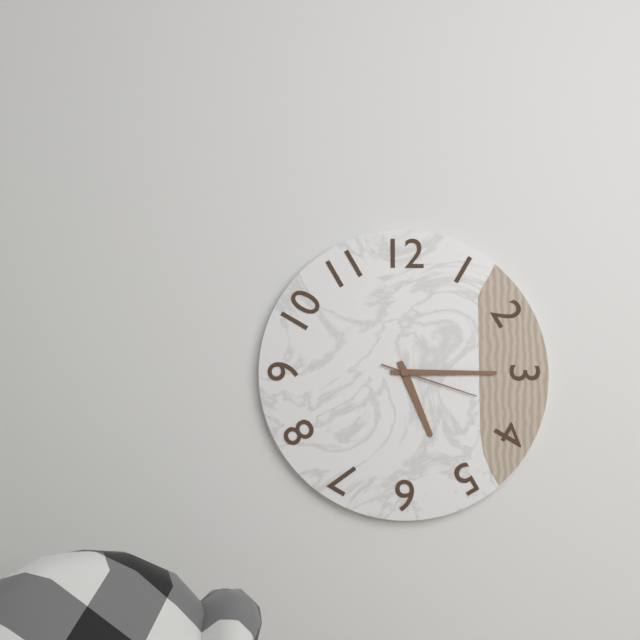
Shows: 5h15m18s
